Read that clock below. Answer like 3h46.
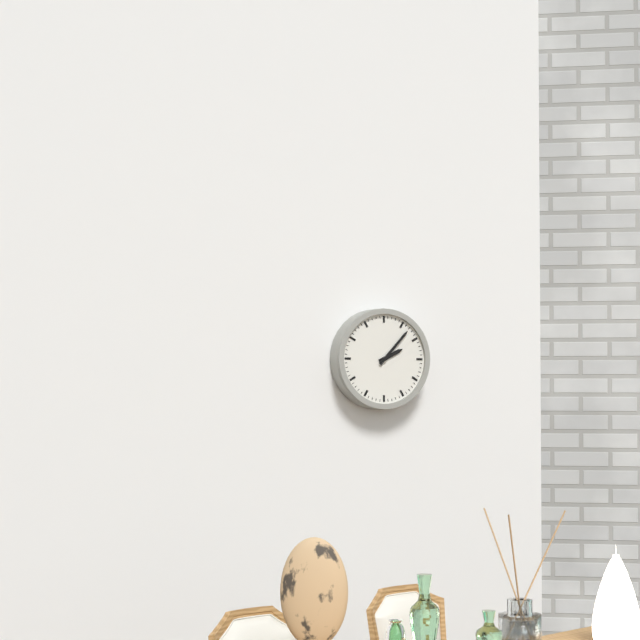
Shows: 2h07
